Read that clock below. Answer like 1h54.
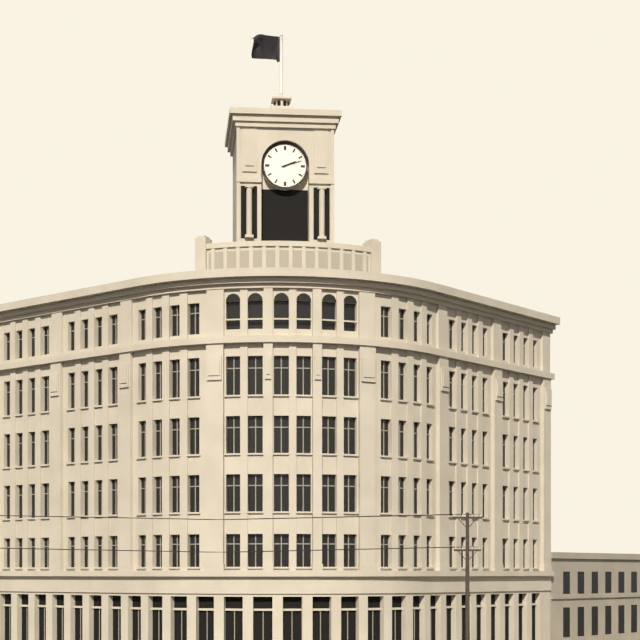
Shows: 2h12
